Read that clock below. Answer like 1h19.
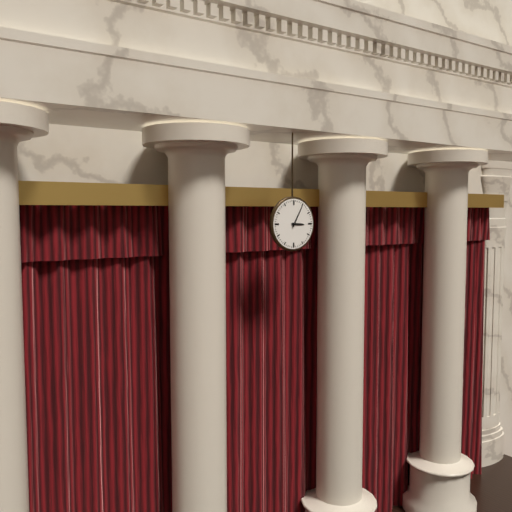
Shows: 3h05
